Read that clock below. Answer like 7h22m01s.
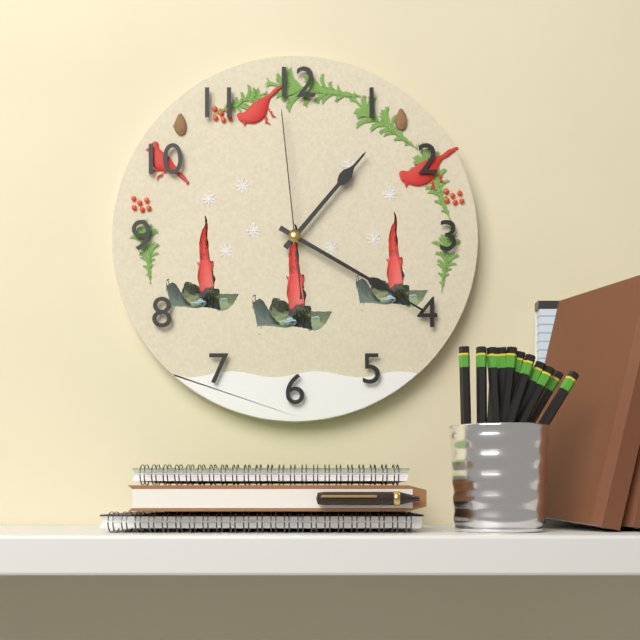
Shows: 1h20m59s
